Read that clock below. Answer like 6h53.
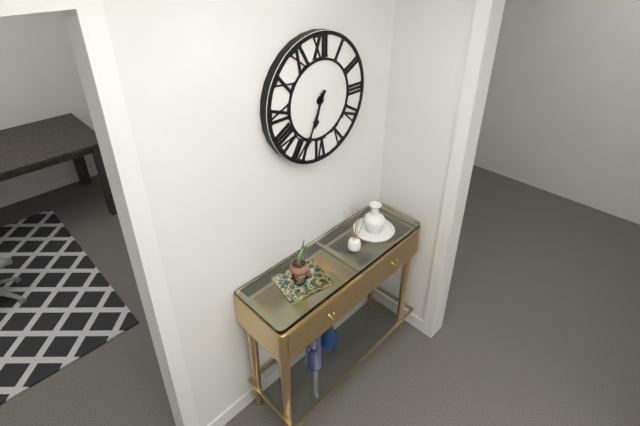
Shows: 6h34
